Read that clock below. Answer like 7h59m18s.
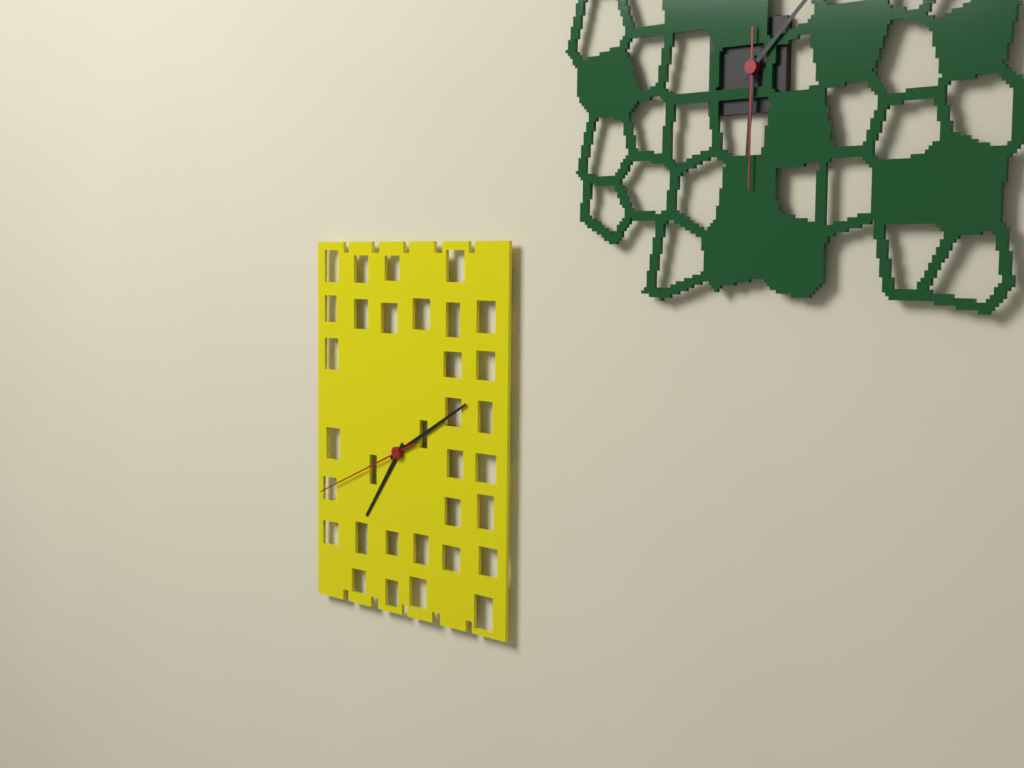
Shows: 7h10m41s
